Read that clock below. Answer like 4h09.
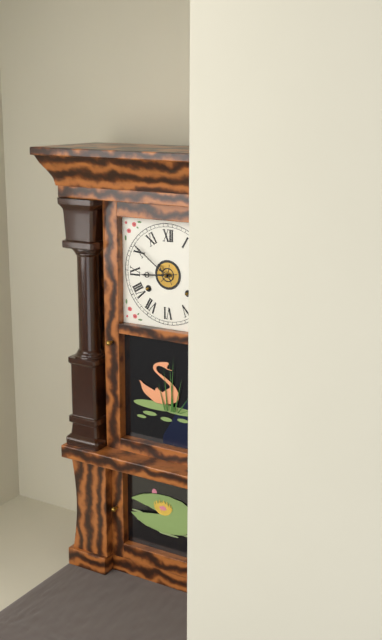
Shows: 8h51
